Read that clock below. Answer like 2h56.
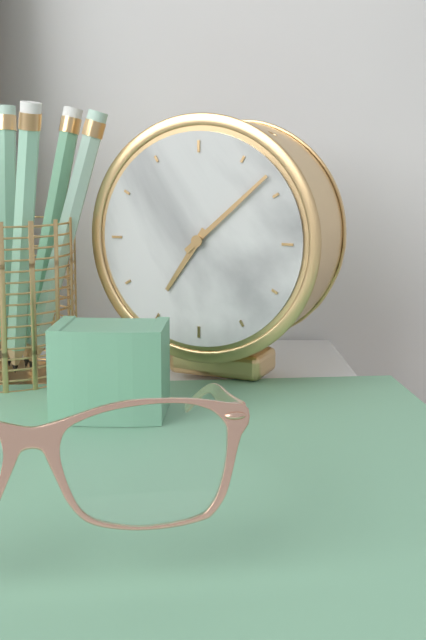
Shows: 7h08
